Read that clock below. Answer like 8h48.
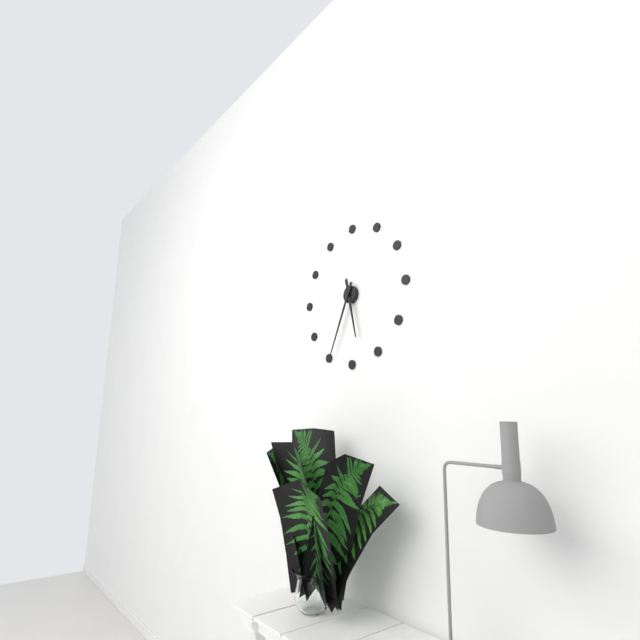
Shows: 5h34
